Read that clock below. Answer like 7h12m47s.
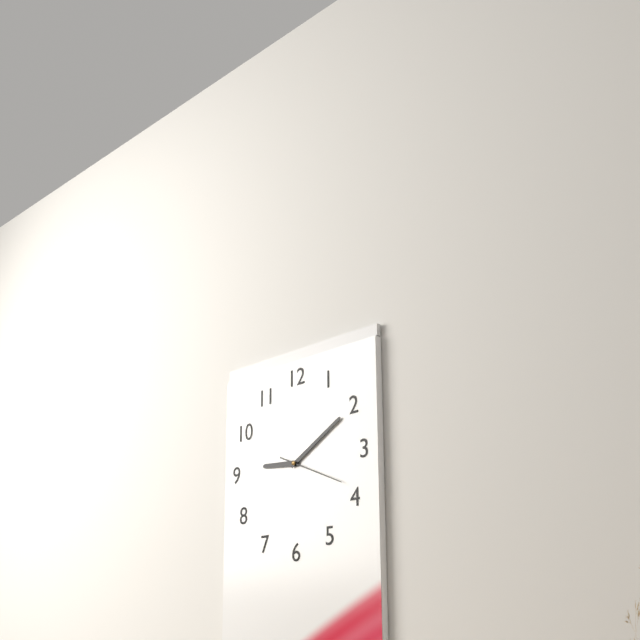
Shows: 9h10m19s
